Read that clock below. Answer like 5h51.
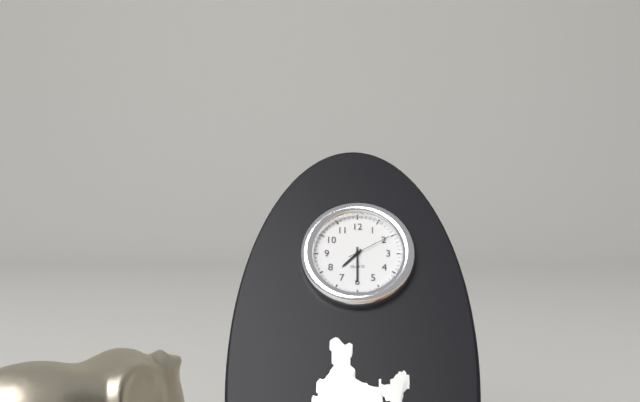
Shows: 7h30
